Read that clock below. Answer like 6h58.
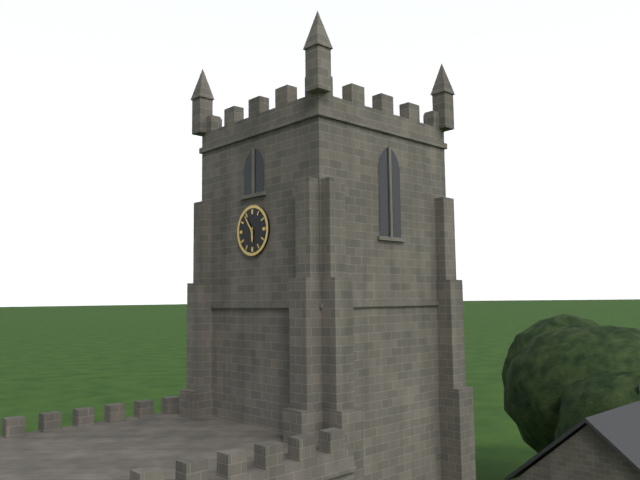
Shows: 5h54
